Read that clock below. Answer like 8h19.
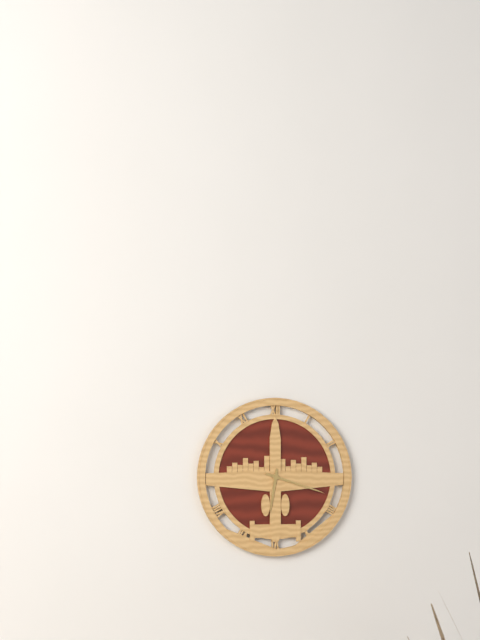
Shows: 6h18
